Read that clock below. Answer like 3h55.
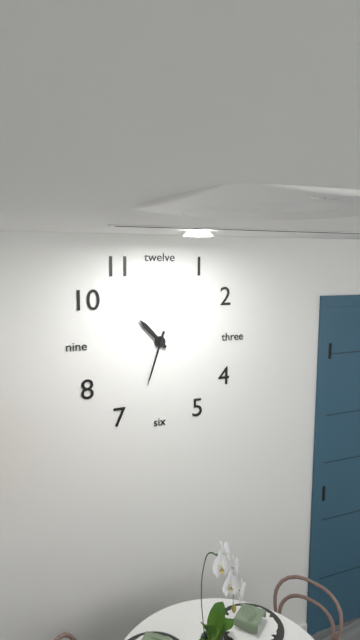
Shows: 10h33
